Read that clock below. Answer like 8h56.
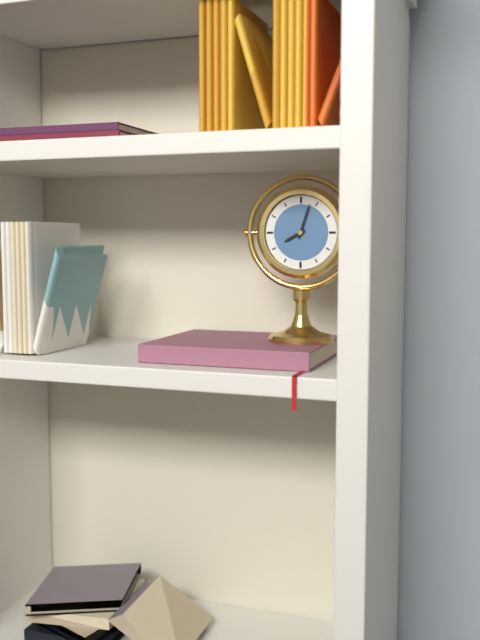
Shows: 8h03
